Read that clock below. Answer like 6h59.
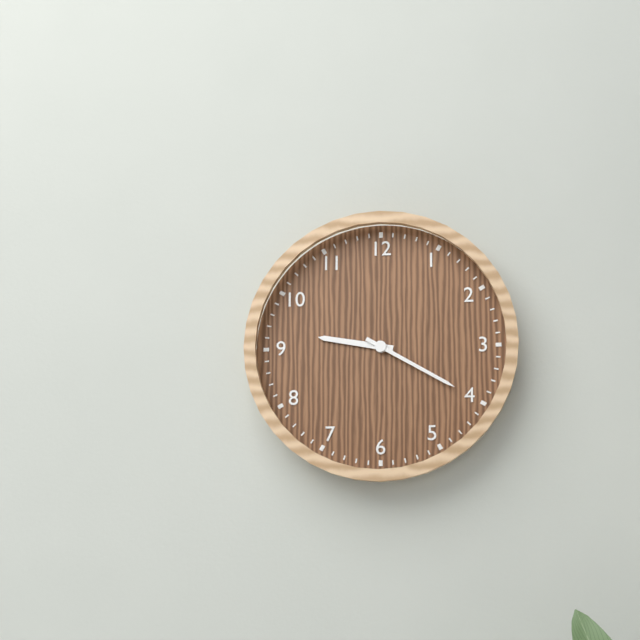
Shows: 9h20
